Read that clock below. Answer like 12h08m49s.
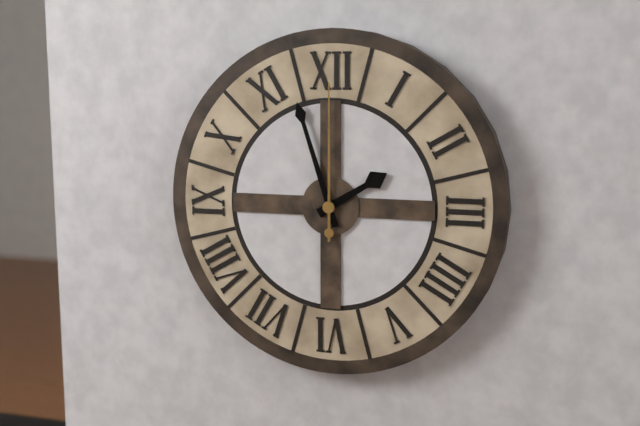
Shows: 1h57m00s
